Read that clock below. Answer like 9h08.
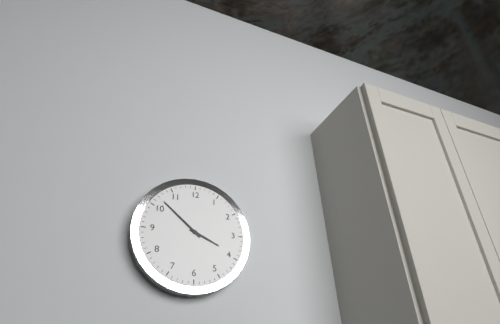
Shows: 3h52
